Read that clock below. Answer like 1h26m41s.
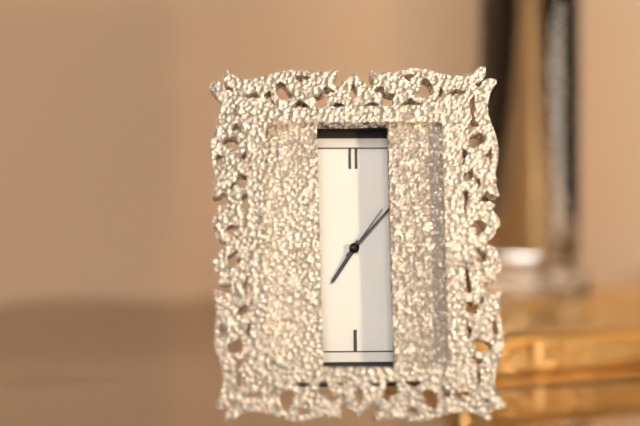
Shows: 7h07m06s
